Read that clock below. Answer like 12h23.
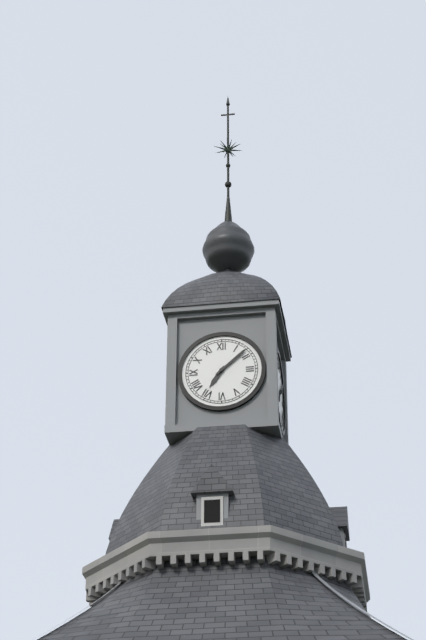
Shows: 7h08
